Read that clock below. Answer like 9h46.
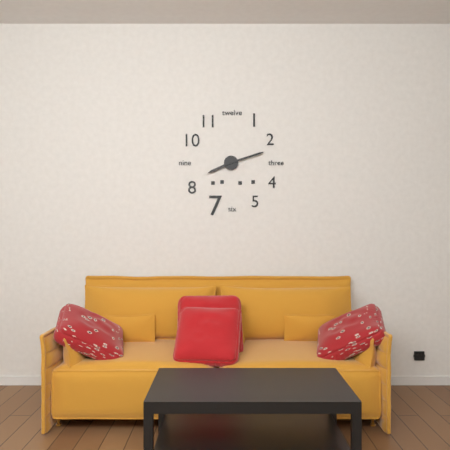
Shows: 8h12
